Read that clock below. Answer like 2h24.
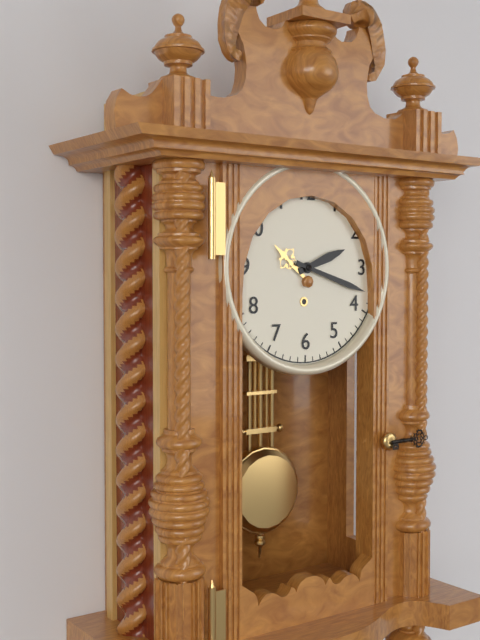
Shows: 2h18
